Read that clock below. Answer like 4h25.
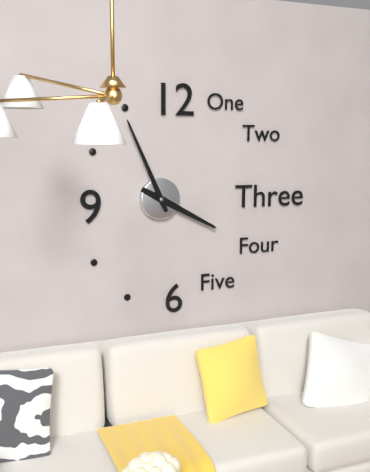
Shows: 3h56
